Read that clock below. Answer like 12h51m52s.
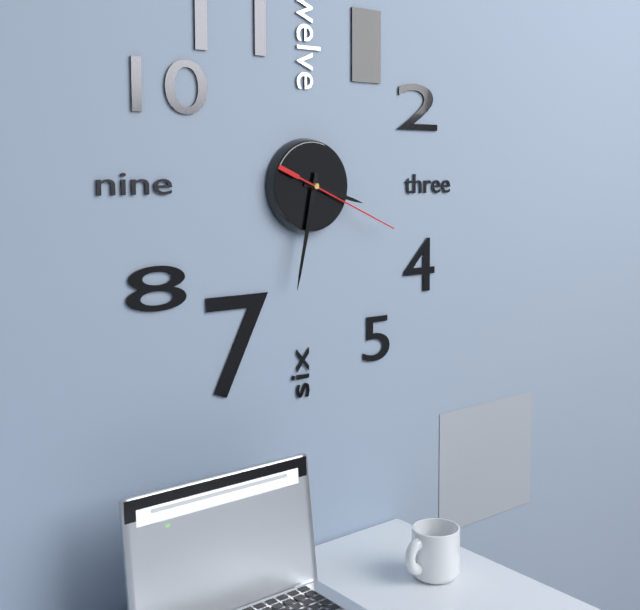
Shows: 3h32m19s
